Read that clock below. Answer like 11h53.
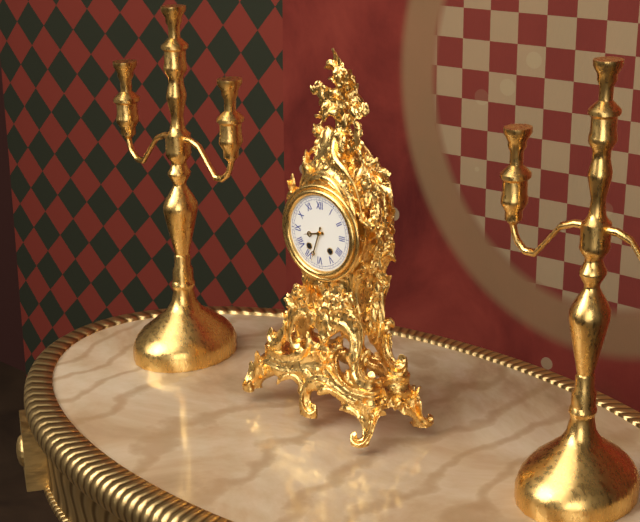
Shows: 8h33
